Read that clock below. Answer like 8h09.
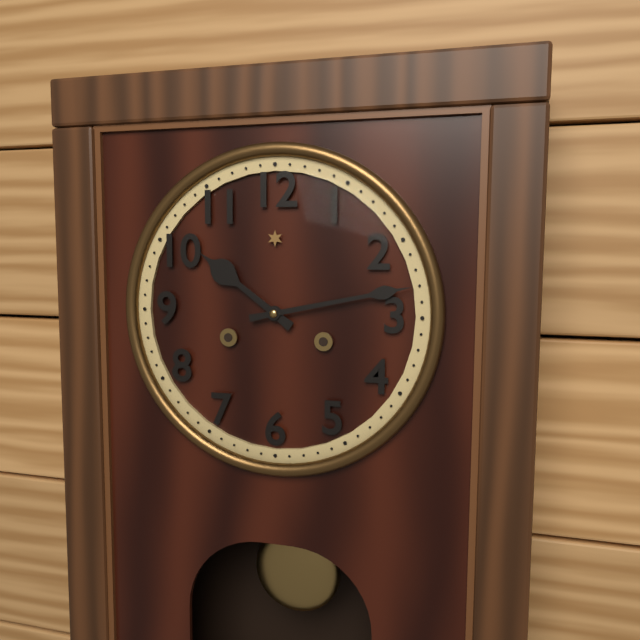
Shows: 10h13
